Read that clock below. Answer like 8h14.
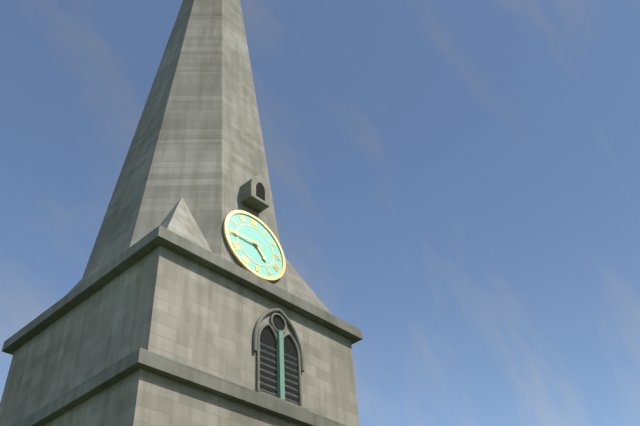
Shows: 4h45
